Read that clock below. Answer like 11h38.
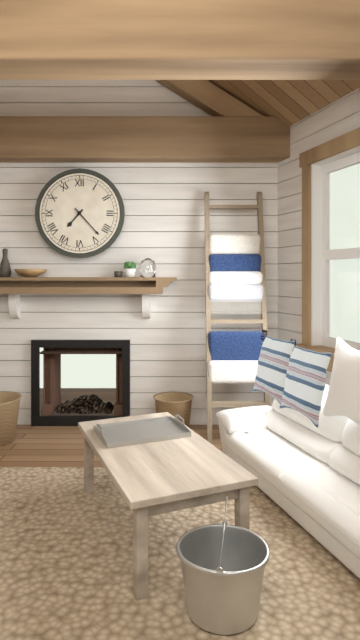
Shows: 7h23
